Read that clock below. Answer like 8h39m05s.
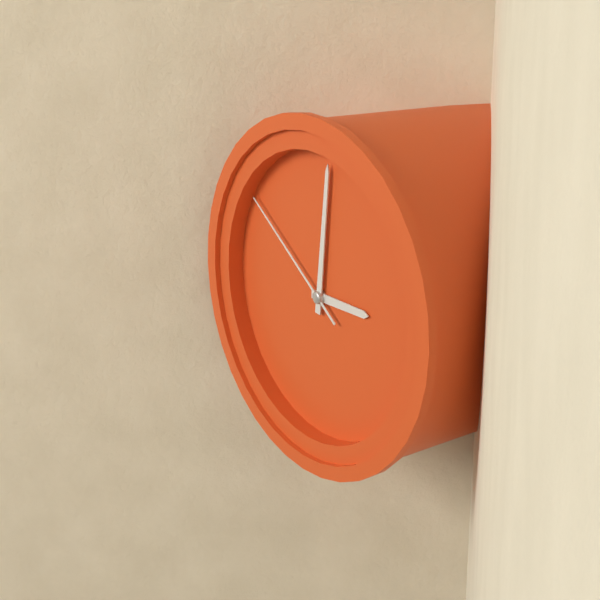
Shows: 3h01m51s
